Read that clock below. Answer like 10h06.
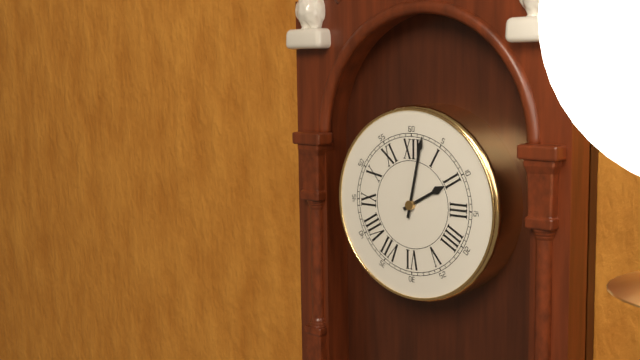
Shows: 2h02
